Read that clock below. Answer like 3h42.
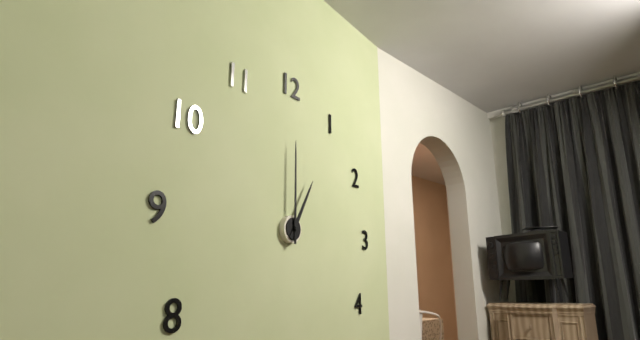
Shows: 1h00
